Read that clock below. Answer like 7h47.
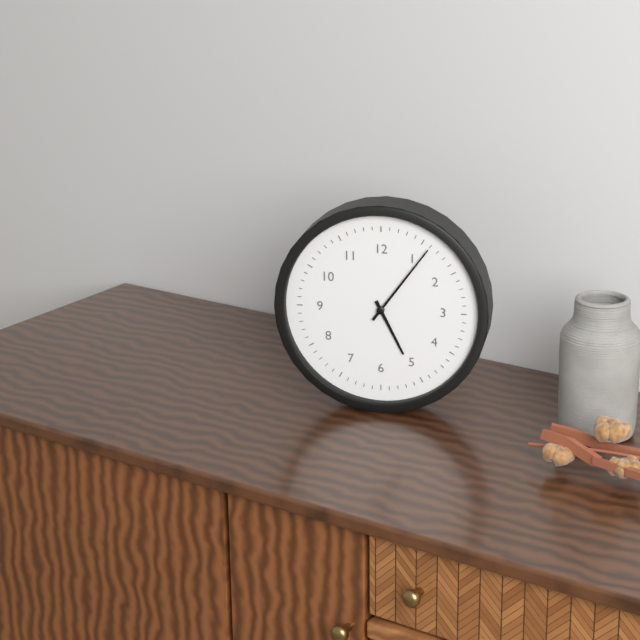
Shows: 5h06
